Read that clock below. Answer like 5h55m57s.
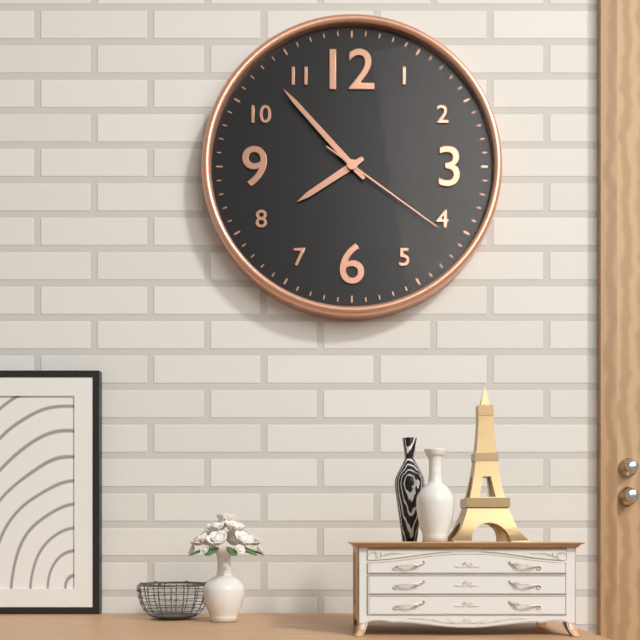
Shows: 7h53m21s
